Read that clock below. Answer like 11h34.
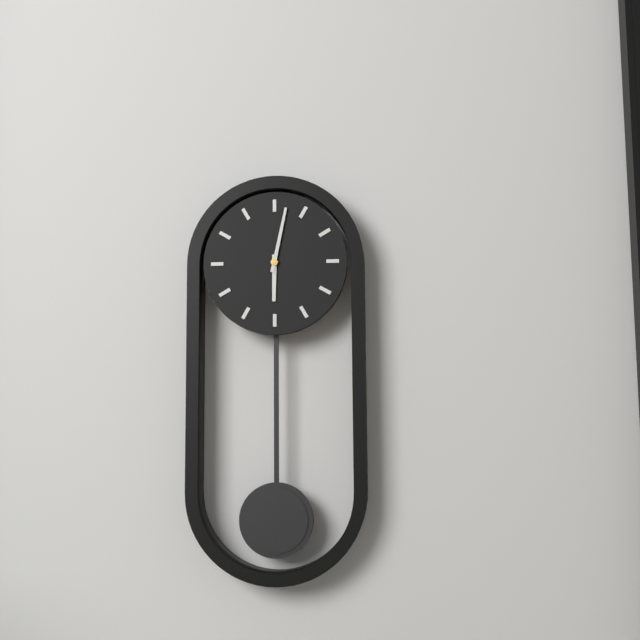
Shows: 6h02
